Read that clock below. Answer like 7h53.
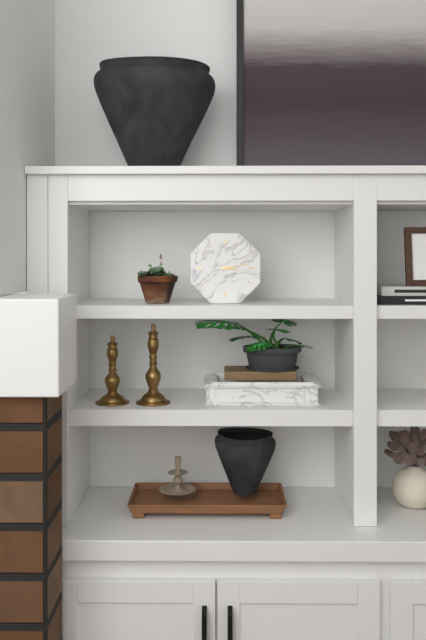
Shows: 3h13
